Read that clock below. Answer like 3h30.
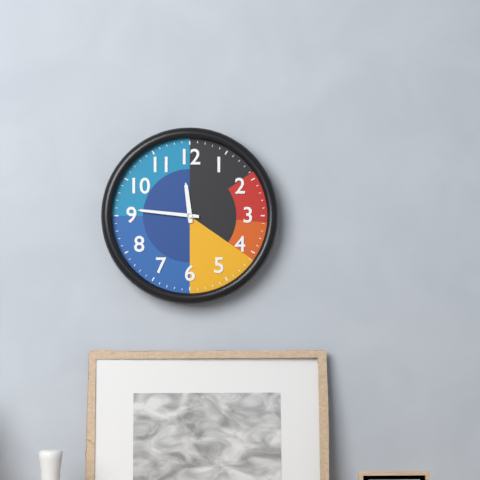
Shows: 11h46
